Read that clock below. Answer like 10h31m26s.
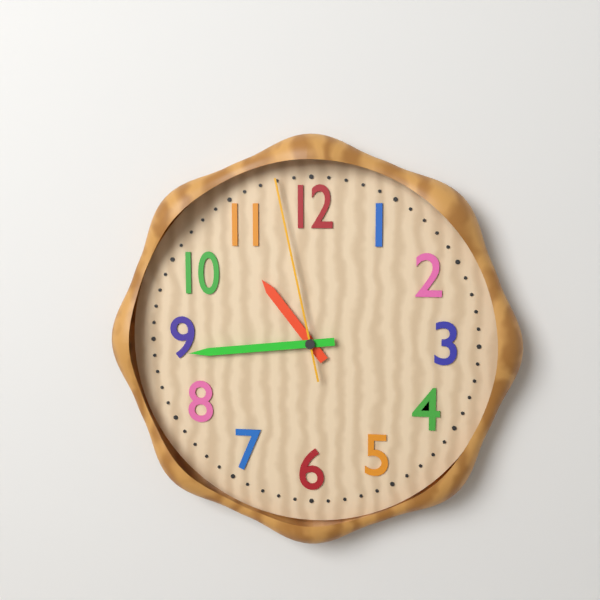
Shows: 10h44m58s
